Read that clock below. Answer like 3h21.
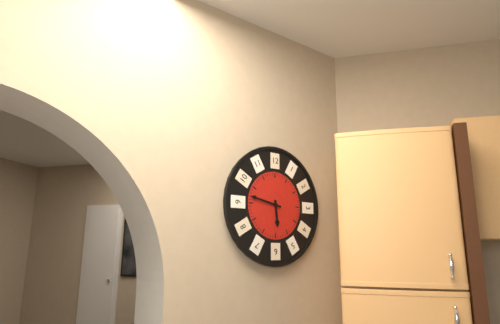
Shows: 5h47
